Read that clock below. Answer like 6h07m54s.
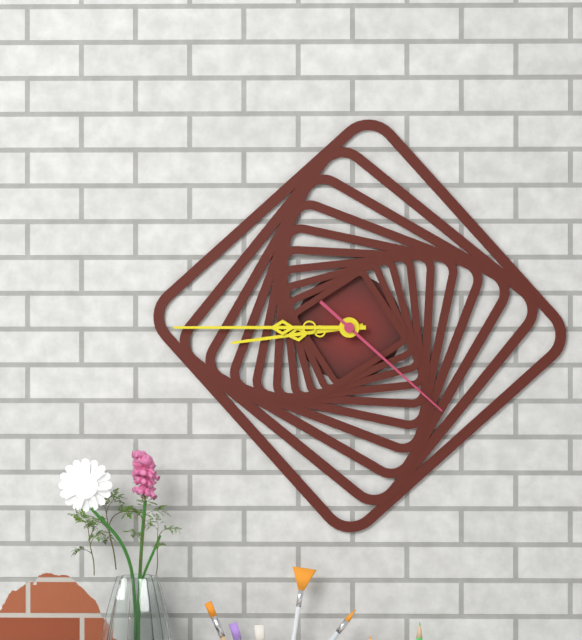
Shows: 8h45m22s
